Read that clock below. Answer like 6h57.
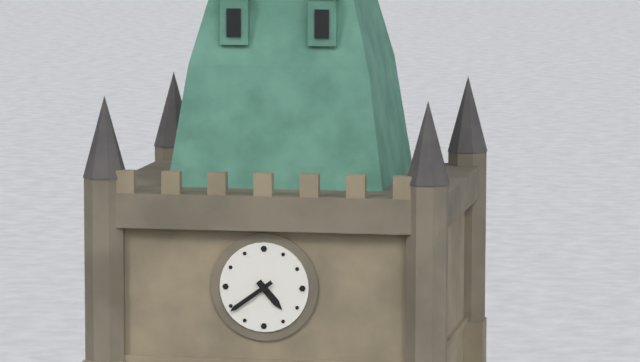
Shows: 4h39
